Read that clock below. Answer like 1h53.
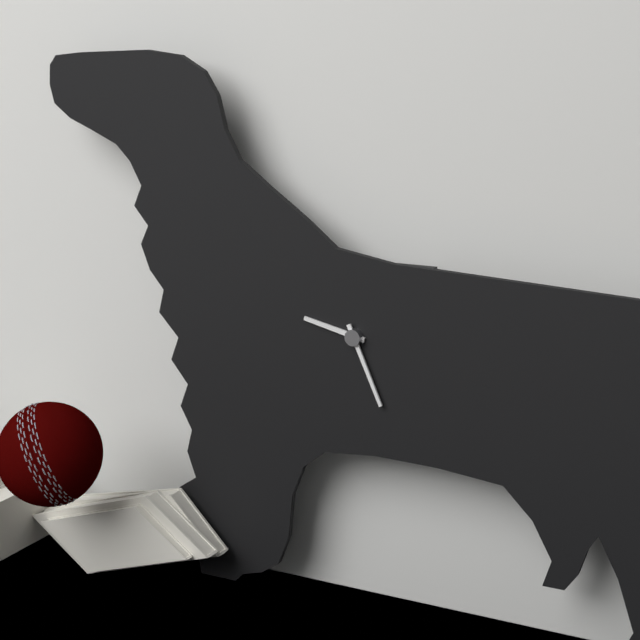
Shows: 9h26
